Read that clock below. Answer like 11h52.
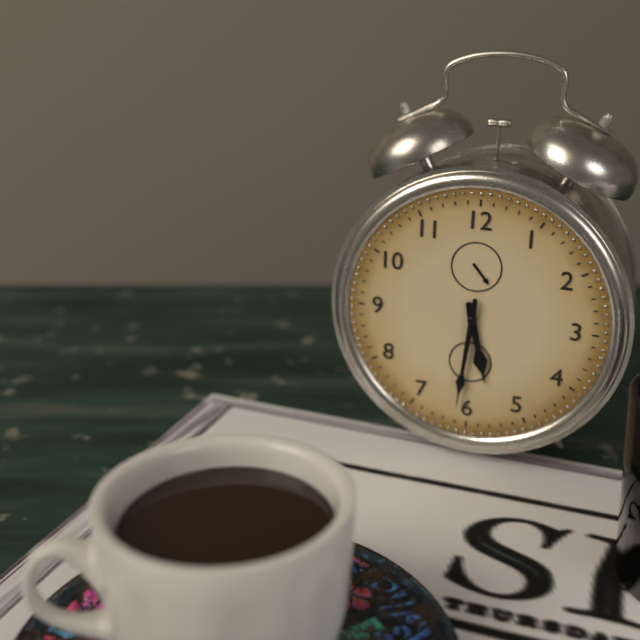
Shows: 5h31
